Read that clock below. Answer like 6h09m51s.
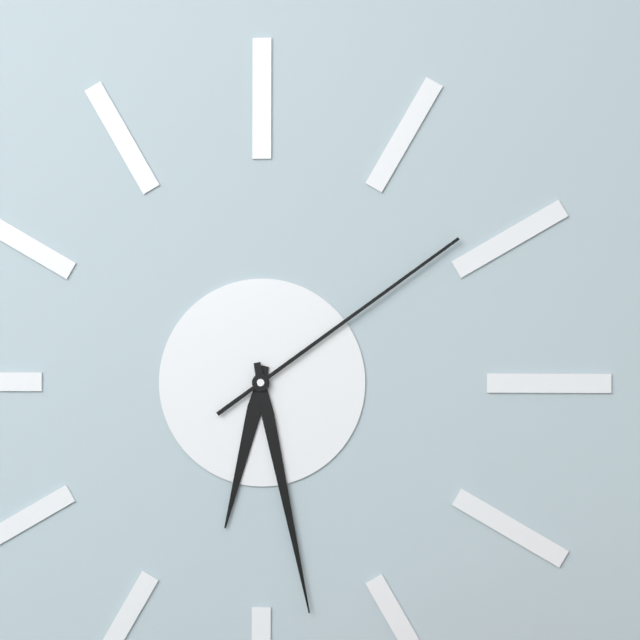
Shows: 6h28m09s
